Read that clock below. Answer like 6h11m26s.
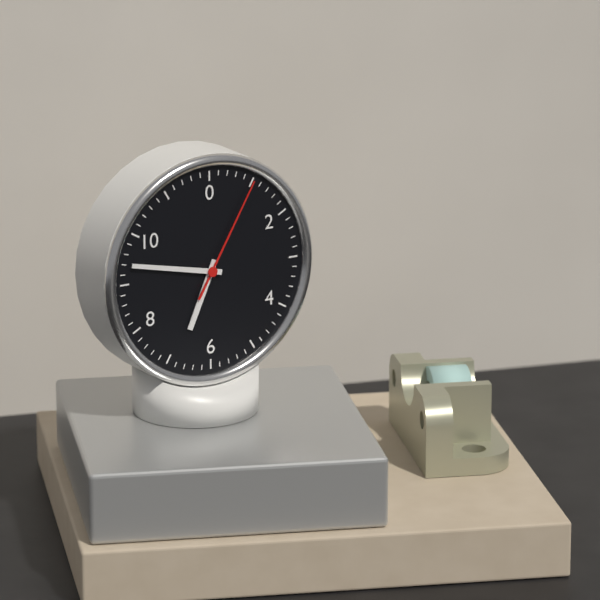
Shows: 6h47m05s
